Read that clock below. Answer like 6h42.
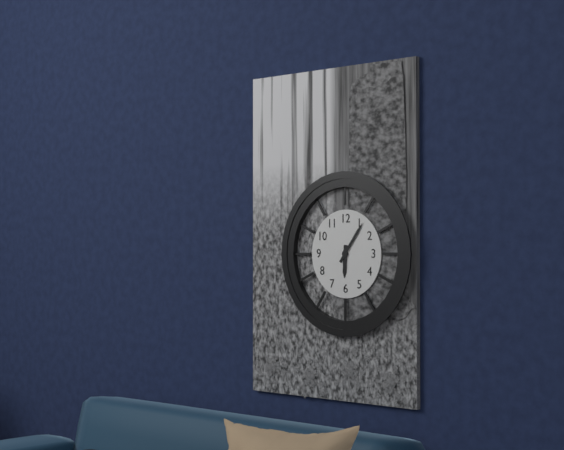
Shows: 6h06
